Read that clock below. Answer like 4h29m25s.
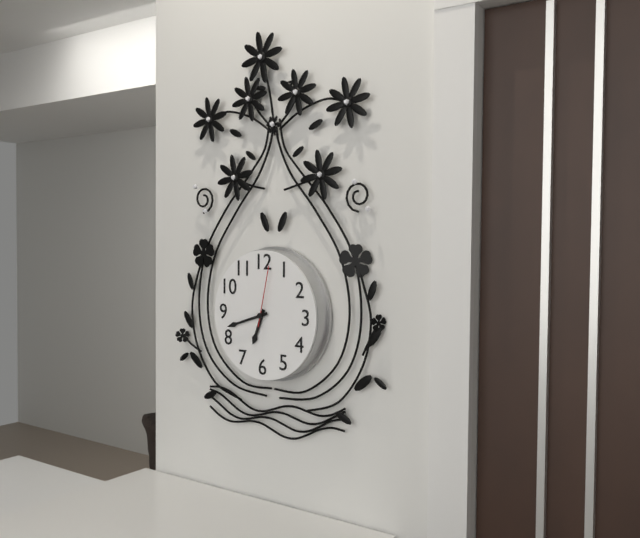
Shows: 6h42m02s
